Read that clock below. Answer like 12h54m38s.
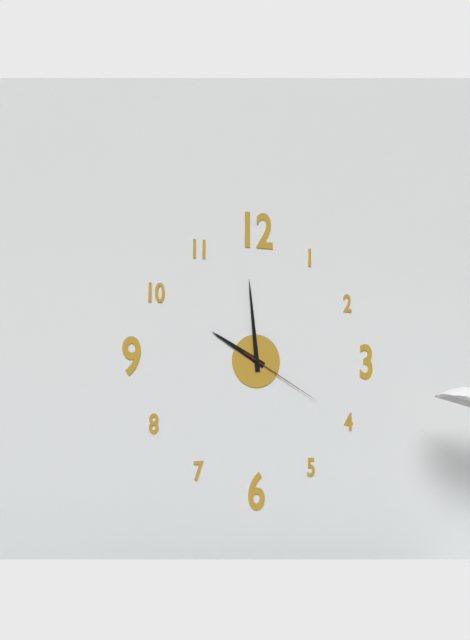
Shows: 9h59m20s
